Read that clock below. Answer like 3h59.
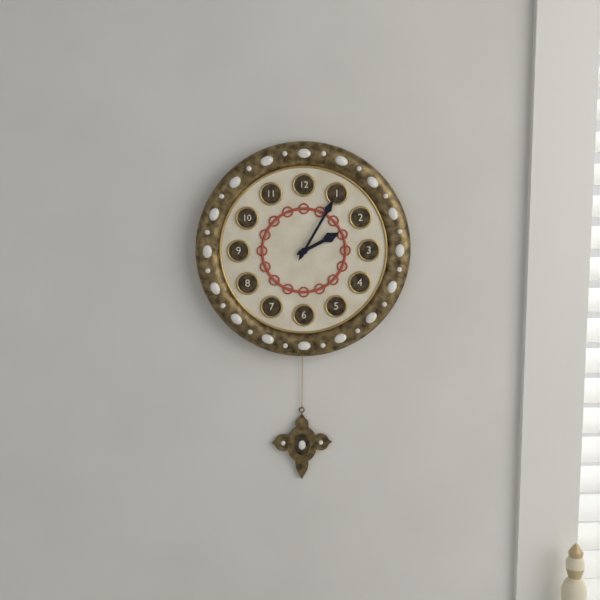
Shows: 2h05
